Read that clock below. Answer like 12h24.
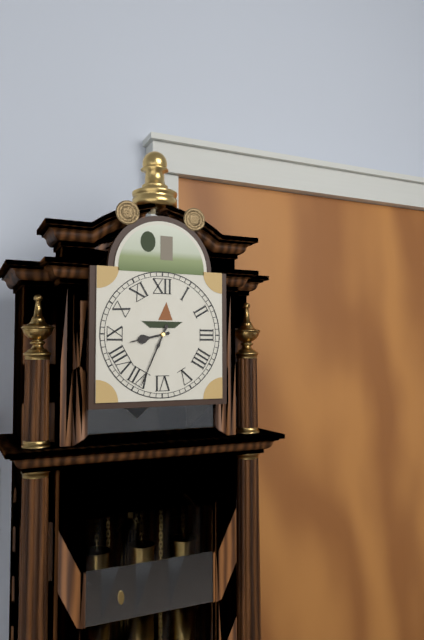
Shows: 8h34
